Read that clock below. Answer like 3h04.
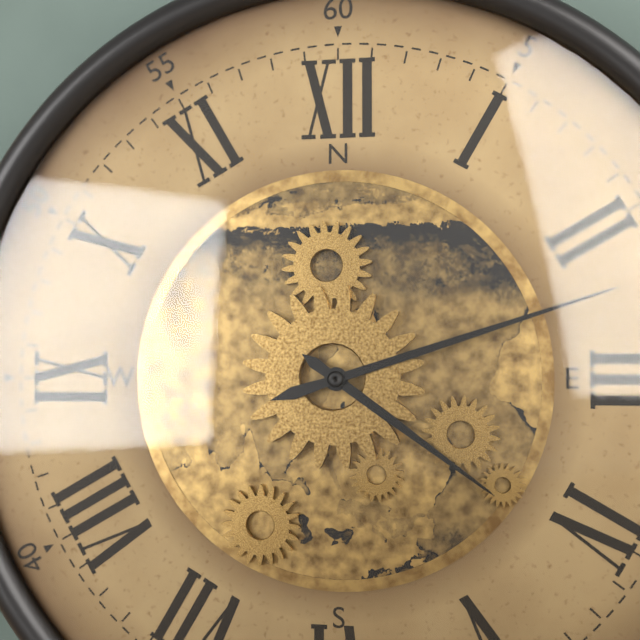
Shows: 4h12
